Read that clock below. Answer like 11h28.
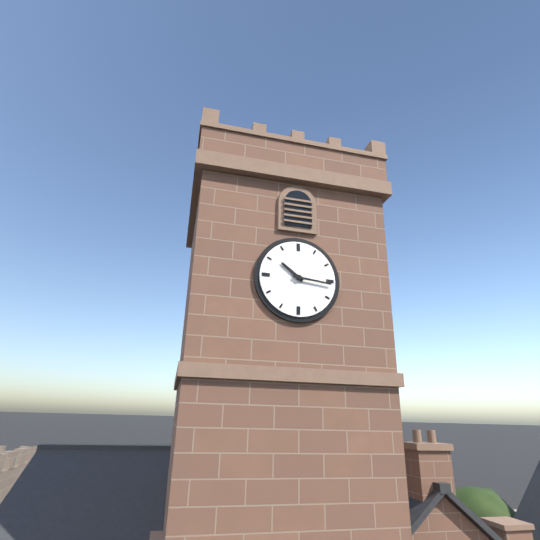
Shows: 10h16
